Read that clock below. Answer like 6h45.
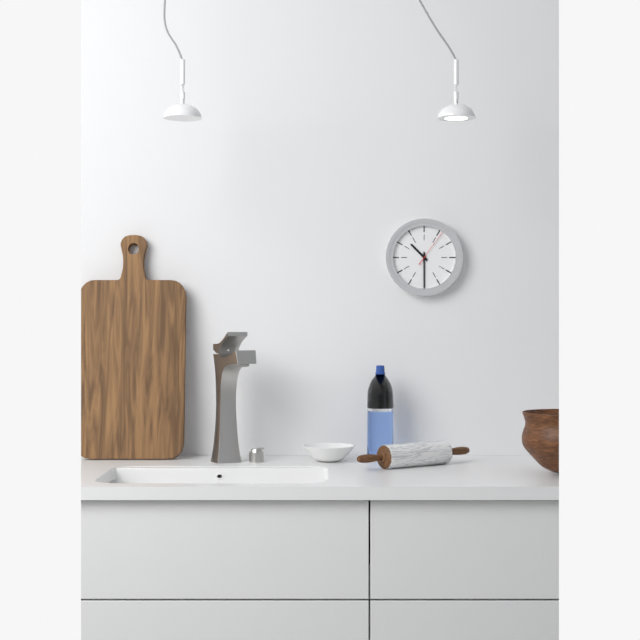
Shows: 10h30
